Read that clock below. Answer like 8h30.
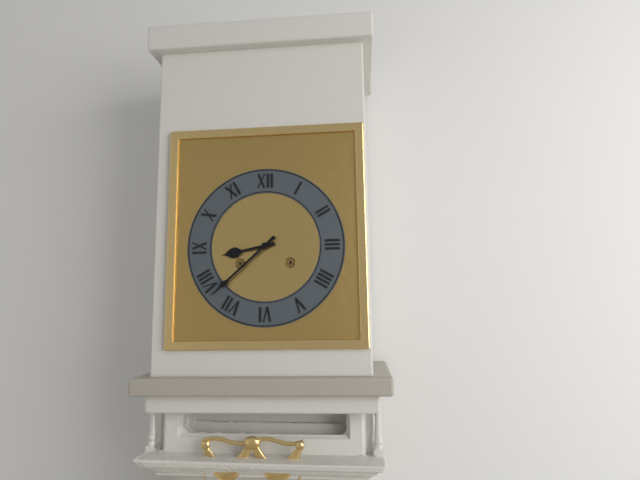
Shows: 8h38
